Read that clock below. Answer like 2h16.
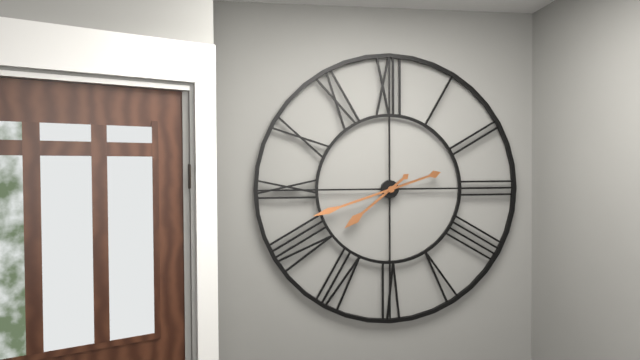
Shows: 7h42
